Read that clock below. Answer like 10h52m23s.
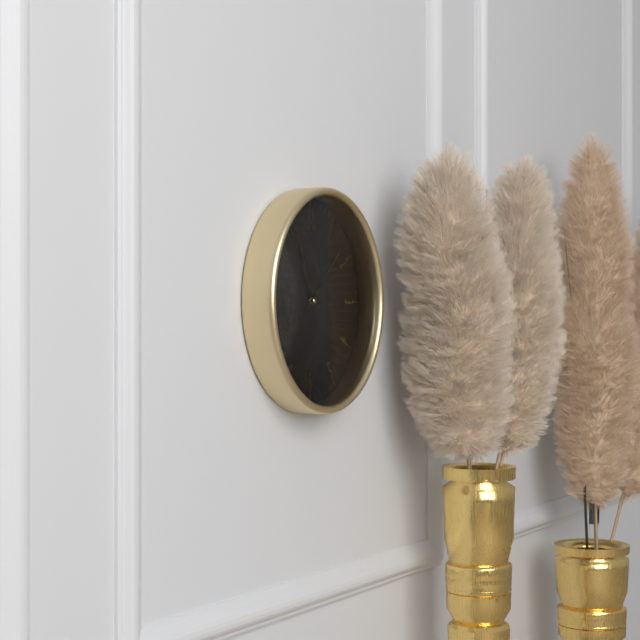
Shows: 11h08m56s
